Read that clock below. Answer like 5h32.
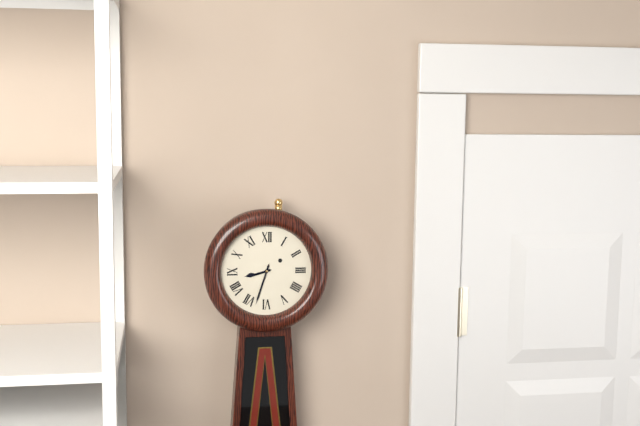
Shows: 8h33
